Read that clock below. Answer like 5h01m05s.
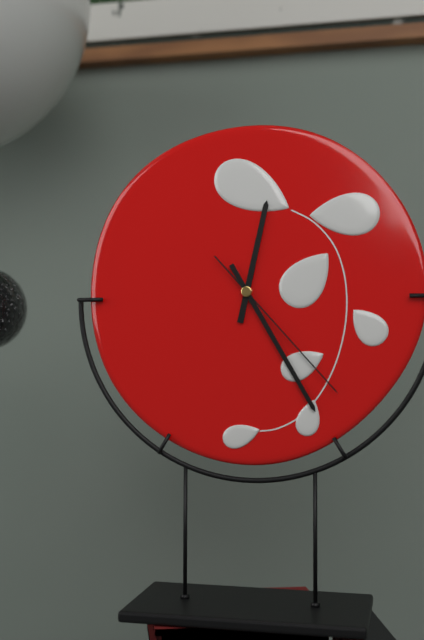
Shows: 12h25m23s
